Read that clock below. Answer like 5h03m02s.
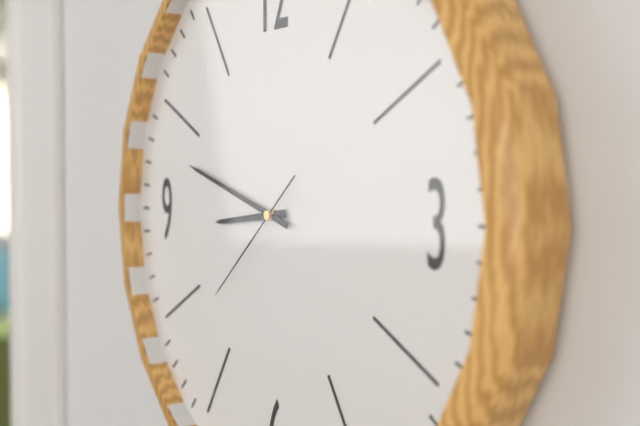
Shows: 8h48m38s
